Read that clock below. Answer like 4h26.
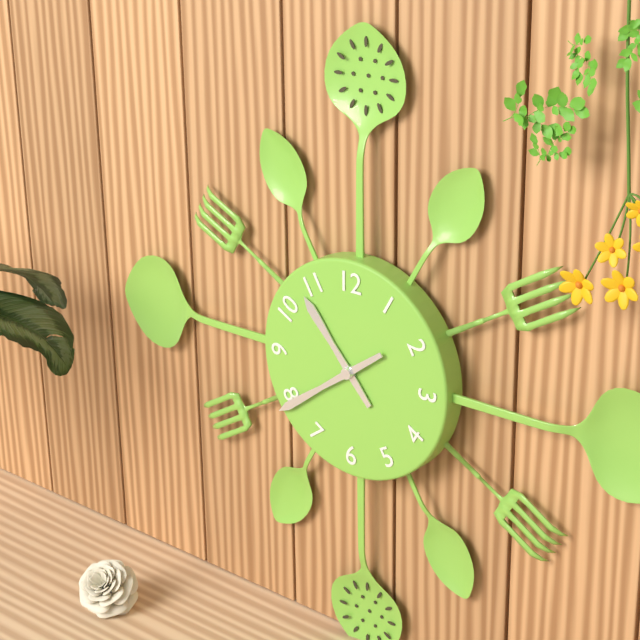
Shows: 10h39
